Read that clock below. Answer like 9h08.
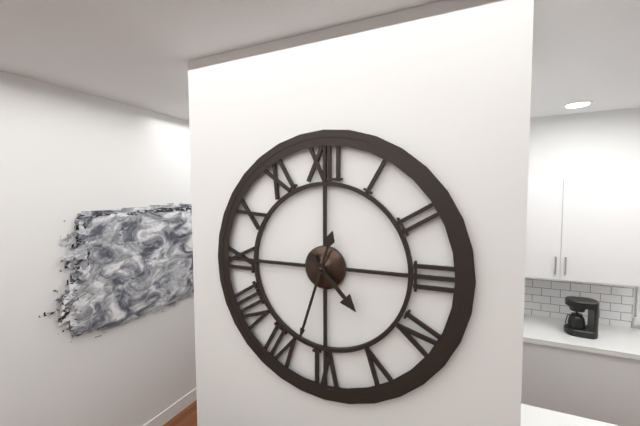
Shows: 4h33
